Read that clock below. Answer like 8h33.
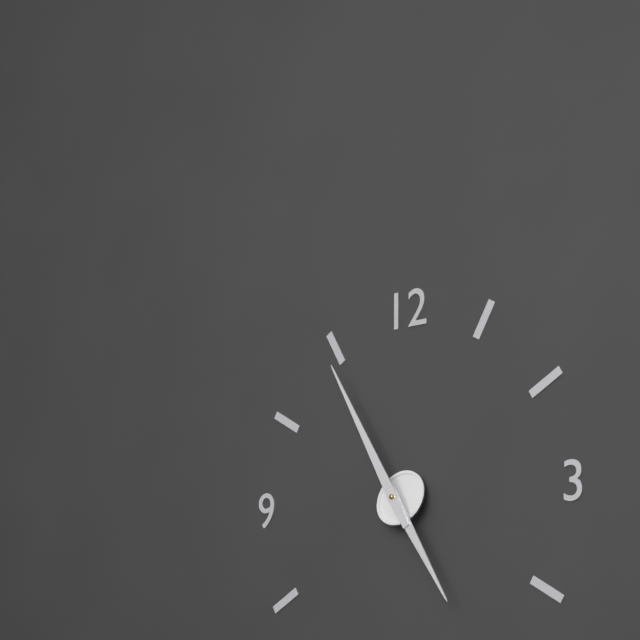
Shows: 4h55
